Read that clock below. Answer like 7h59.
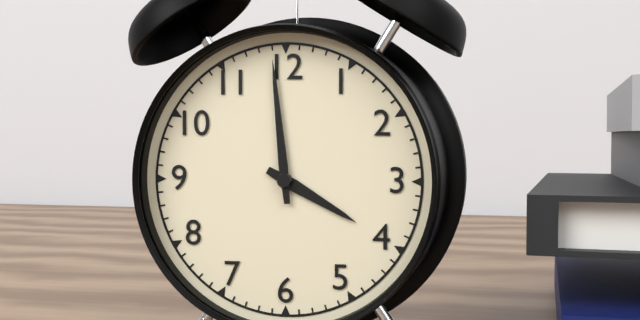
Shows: 3h59
